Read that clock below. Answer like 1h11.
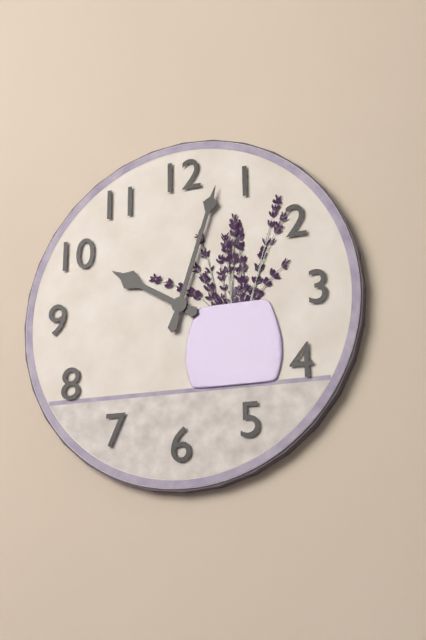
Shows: 10h03
